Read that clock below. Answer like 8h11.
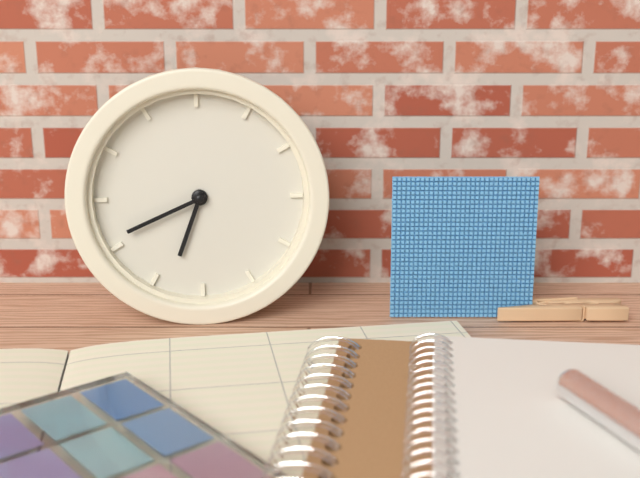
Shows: 6h41
